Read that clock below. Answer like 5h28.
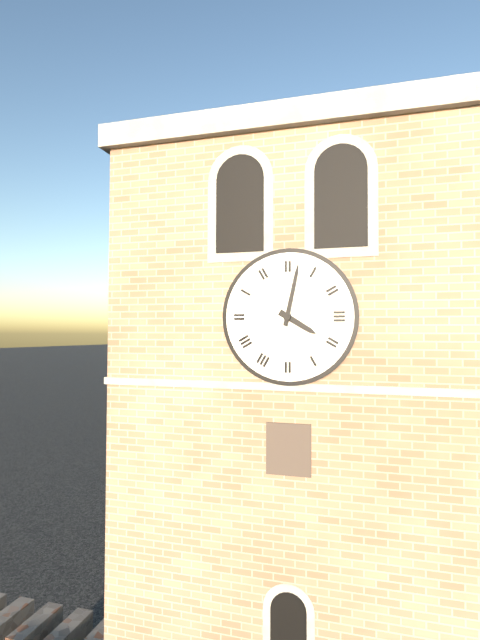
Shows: 4h02
